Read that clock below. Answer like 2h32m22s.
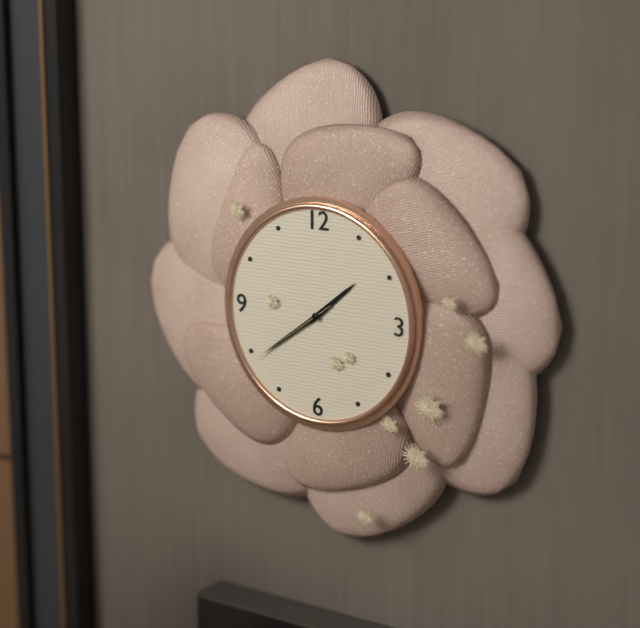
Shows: 1h39m39s
